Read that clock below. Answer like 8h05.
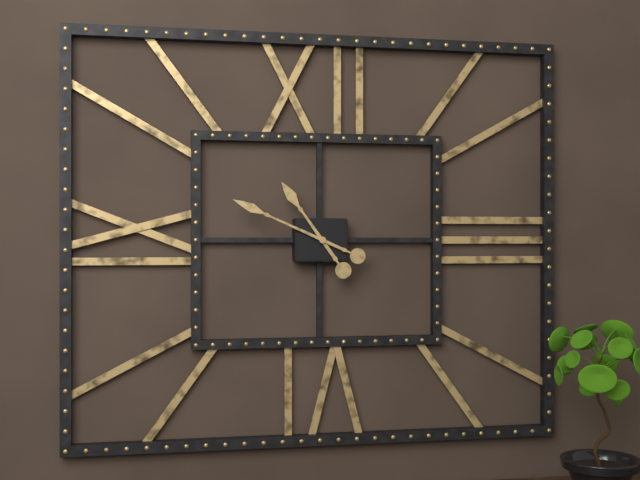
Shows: 10h49
